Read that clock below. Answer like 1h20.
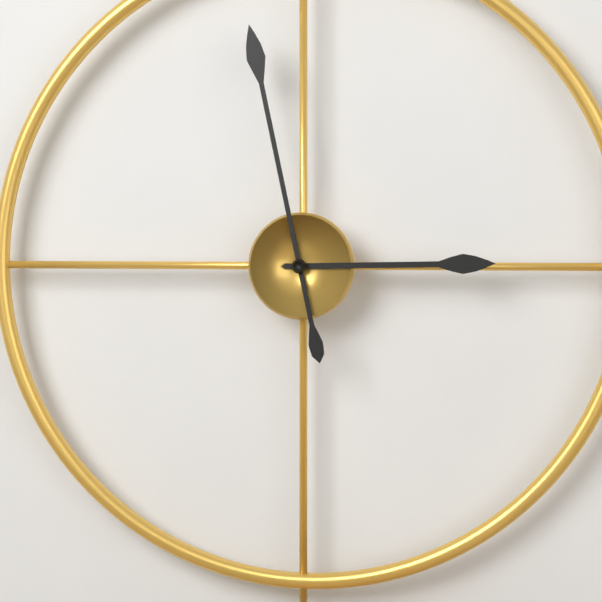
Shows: 2h58
